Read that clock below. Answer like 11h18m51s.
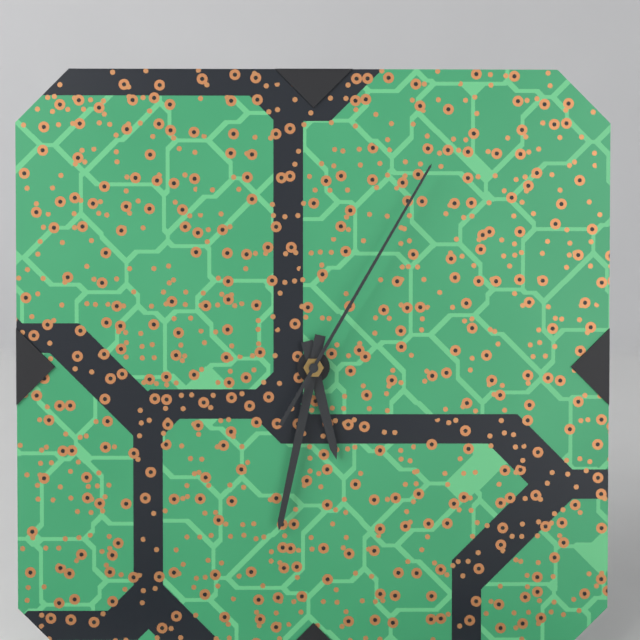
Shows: 5h32m05s
